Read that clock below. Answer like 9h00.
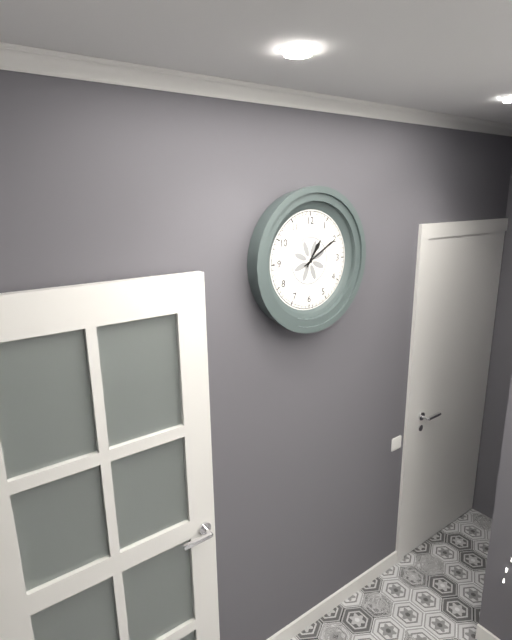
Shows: 1h10
